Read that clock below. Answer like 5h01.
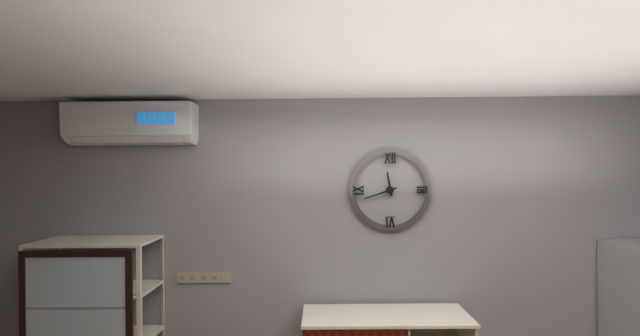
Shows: 11h42
